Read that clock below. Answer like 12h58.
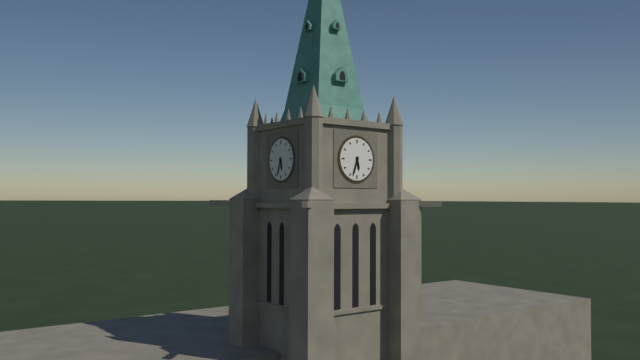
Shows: 5h33
